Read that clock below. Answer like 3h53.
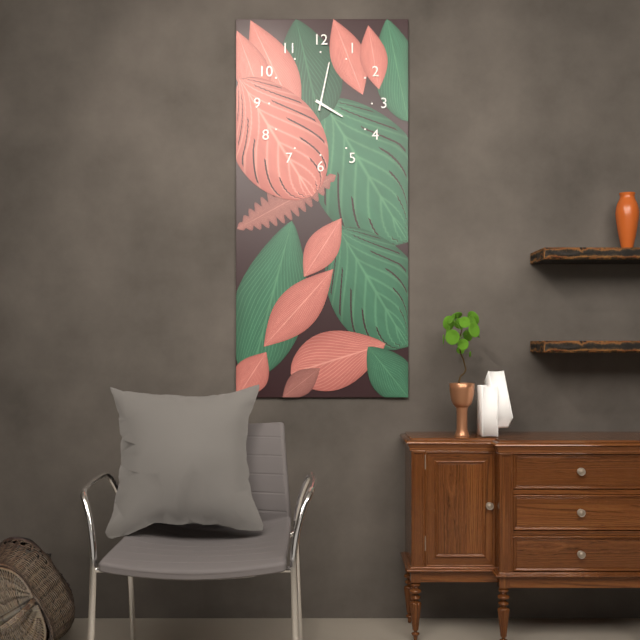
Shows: 4h02
